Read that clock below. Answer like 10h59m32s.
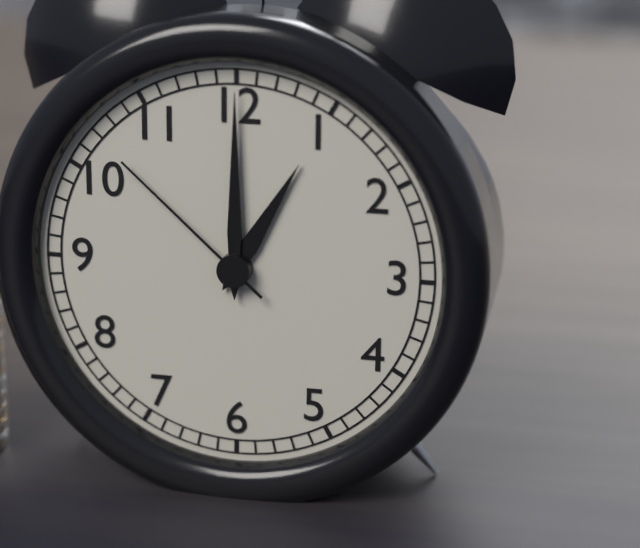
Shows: 1h00m52s
